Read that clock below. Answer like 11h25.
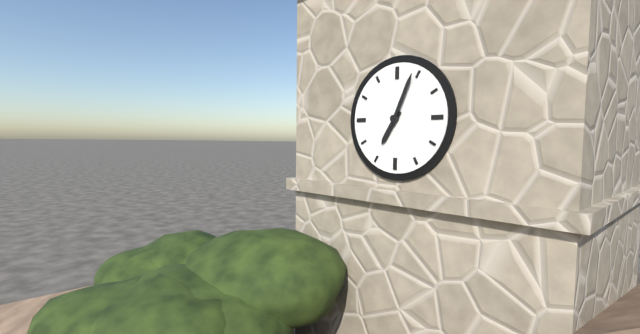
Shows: 7h04
